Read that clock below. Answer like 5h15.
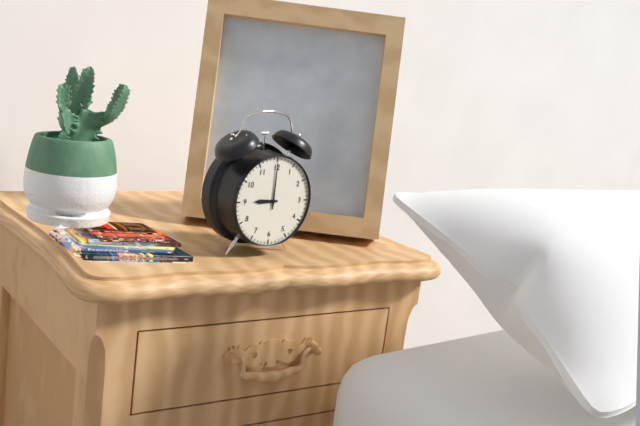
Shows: 9h00
